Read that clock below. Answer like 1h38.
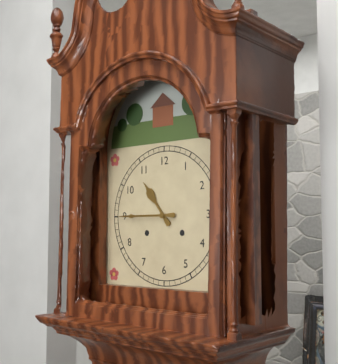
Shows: 10h45
